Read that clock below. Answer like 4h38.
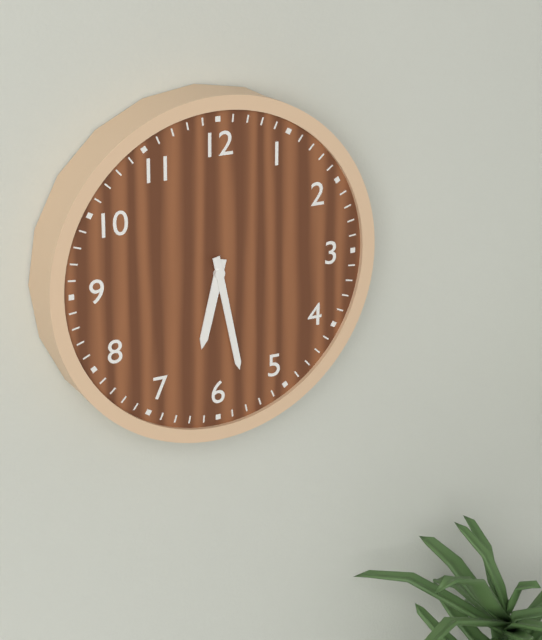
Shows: 6h28
